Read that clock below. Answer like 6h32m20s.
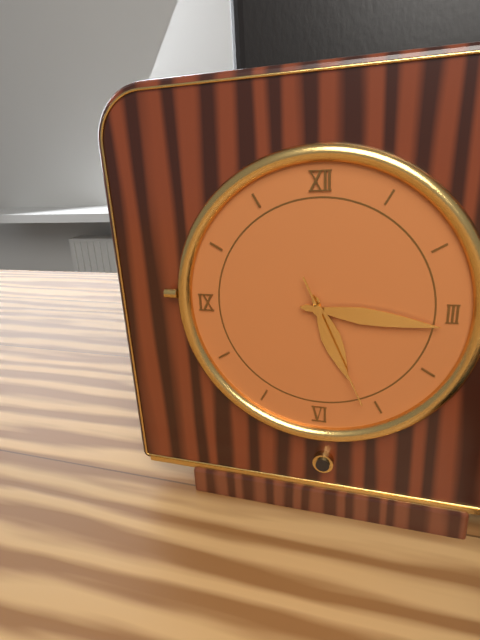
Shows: 5h16m26s
